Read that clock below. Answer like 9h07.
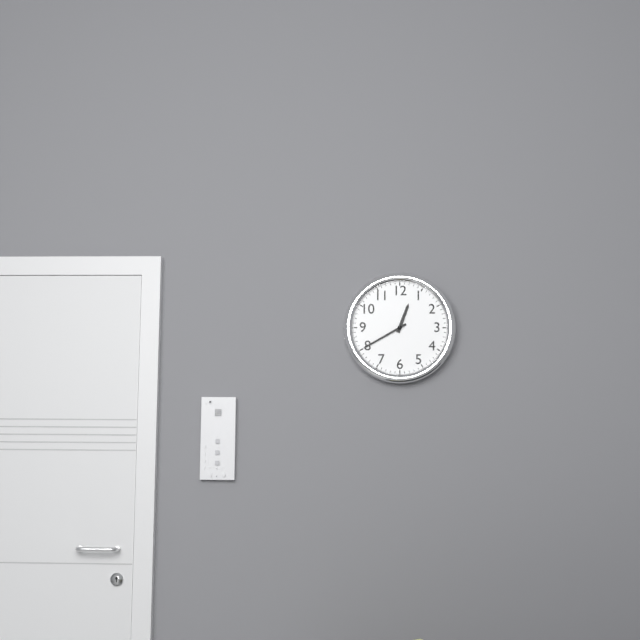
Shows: 12h40
